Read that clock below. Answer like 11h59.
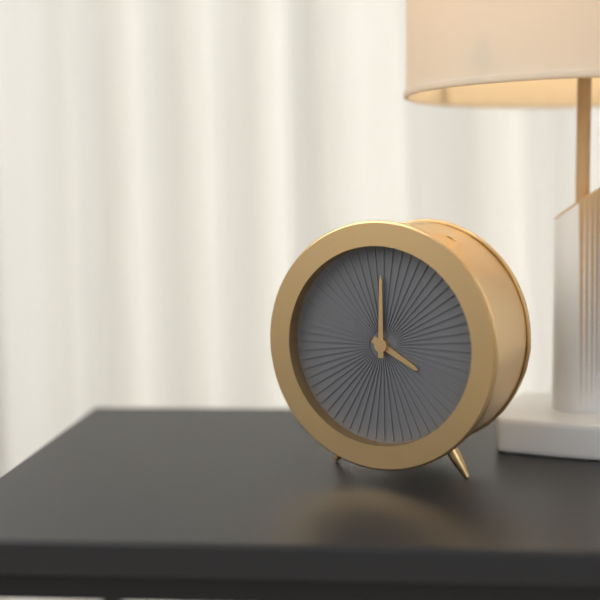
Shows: 4h00
